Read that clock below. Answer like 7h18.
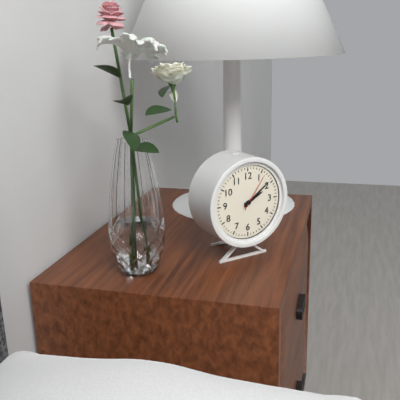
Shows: 2h09
